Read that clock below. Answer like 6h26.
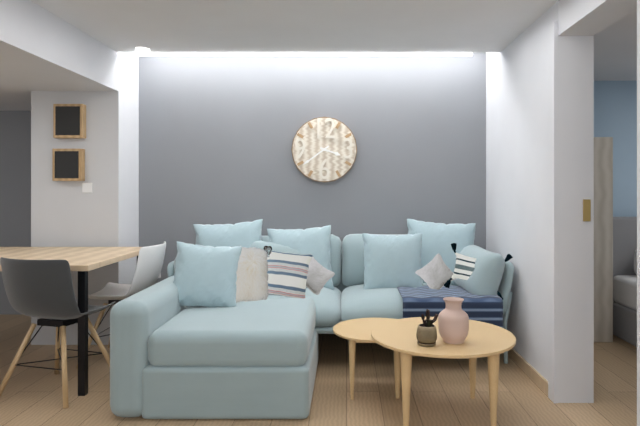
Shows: 3h39
